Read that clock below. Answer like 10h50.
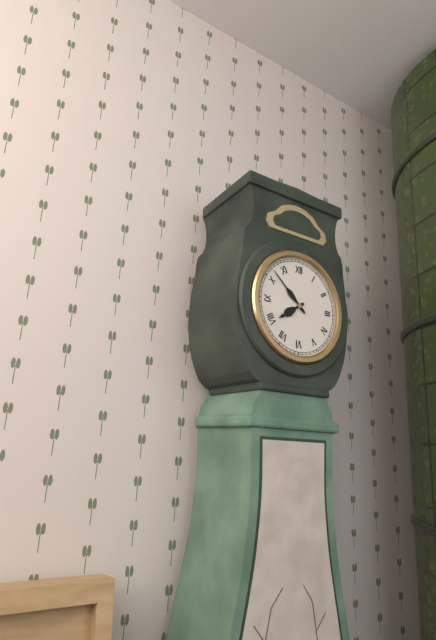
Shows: 7h52
